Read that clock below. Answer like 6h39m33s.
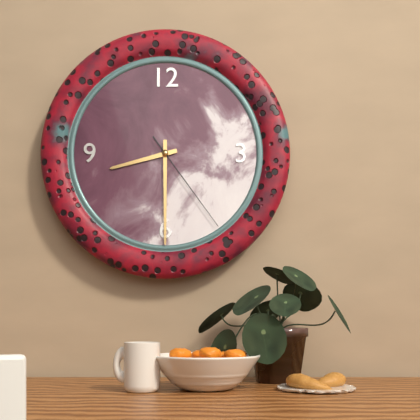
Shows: 8h30m24s
